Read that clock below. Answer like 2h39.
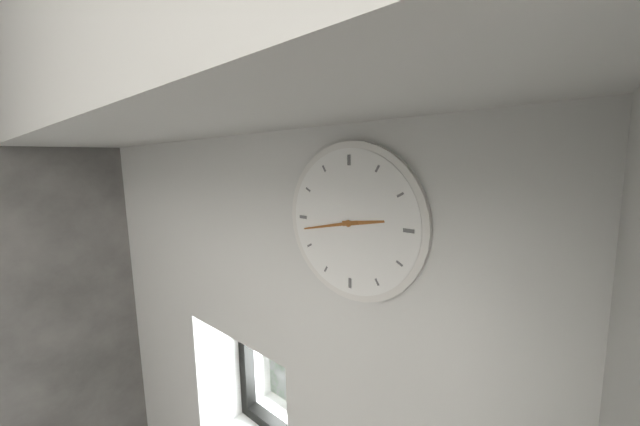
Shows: 2h43
